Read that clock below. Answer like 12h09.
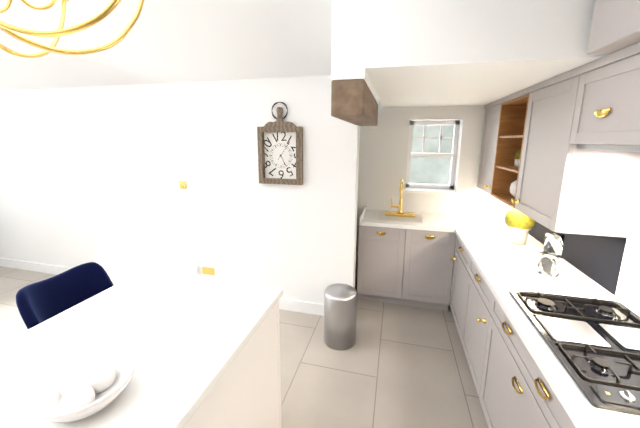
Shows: 5h06
